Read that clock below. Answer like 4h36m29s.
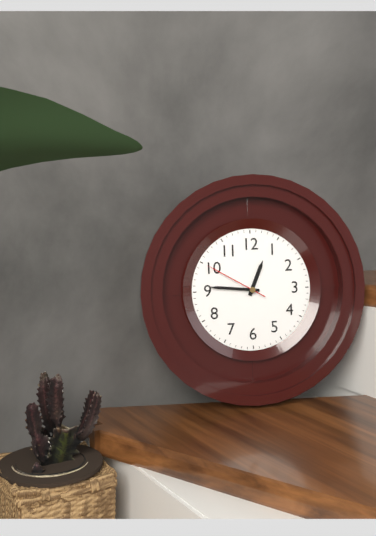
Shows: 12h46m50s
